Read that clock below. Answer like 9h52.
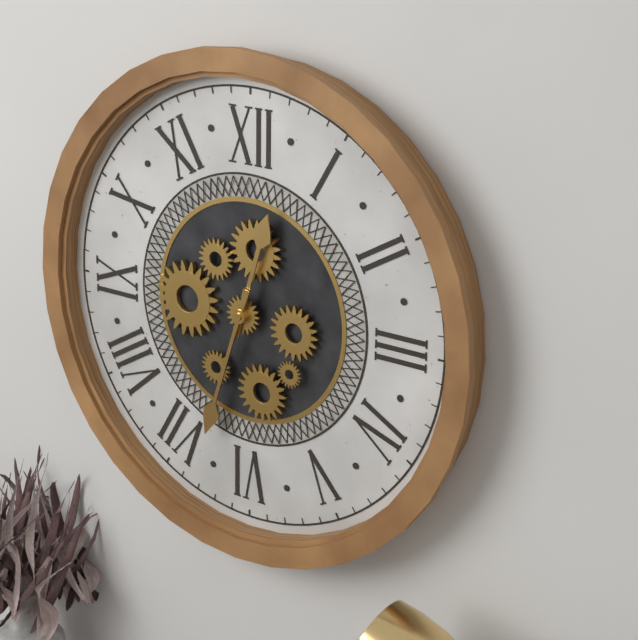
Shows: 12h33
